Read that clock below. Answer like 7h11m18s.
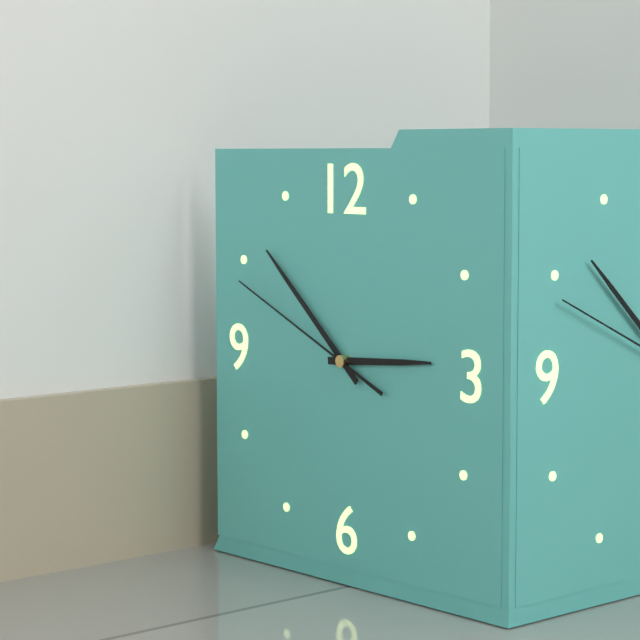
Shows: 2h52m49s
